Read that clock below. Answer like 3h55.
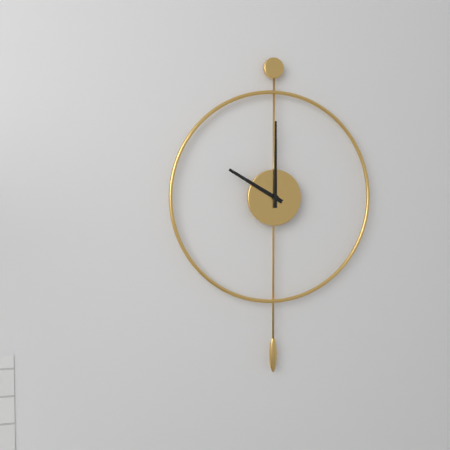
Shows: 10h00
